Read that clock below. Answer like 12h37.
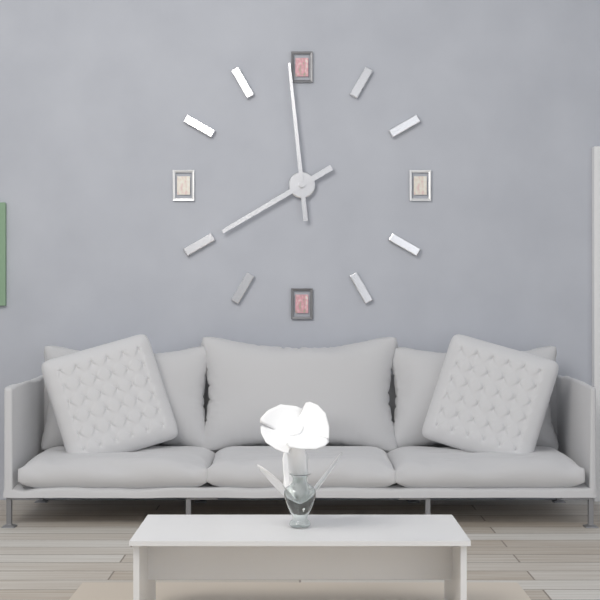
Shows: 7h59
